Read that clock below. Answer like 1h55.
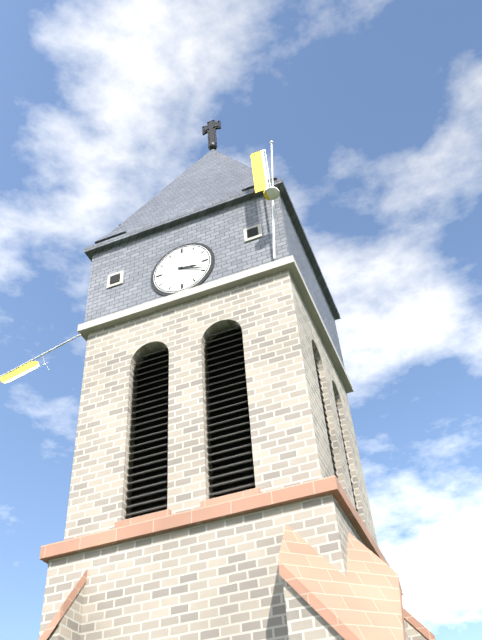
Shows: 3h19
